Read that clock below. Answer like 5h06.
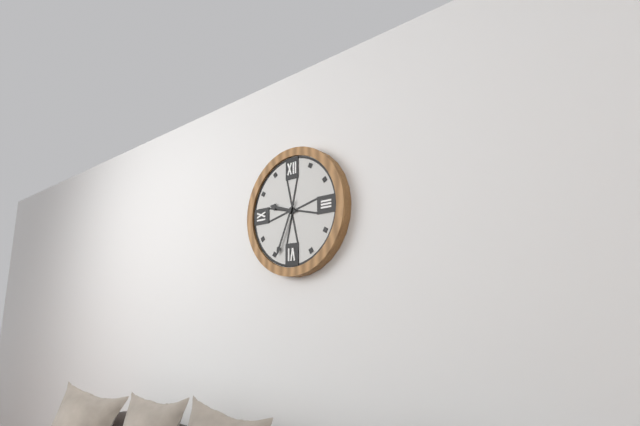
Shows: 9h34
